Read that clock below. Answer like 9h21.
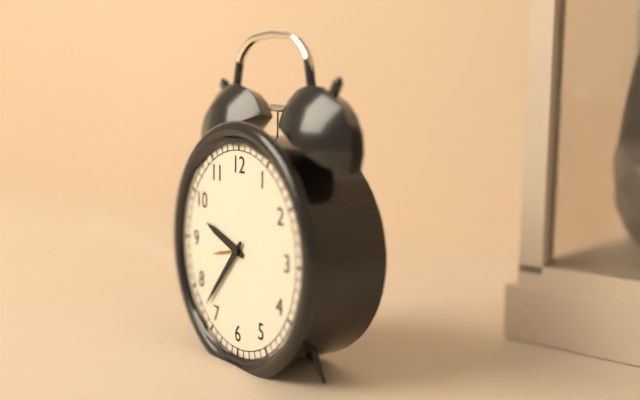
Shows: 9h37
